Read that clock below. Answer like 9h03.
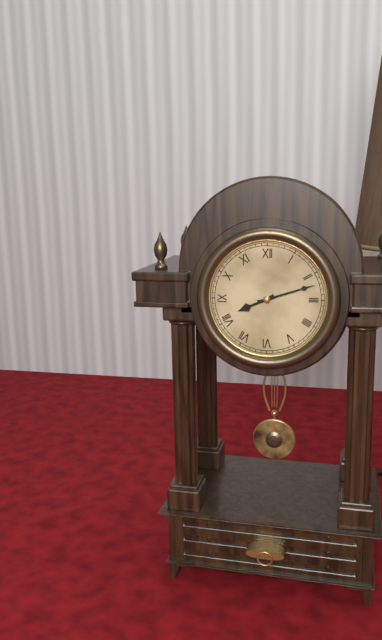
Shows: 8h12
